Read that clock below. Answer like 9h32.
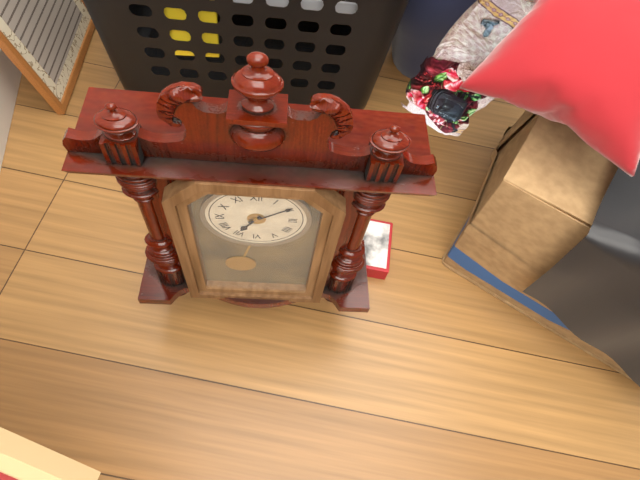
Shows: 7h09
